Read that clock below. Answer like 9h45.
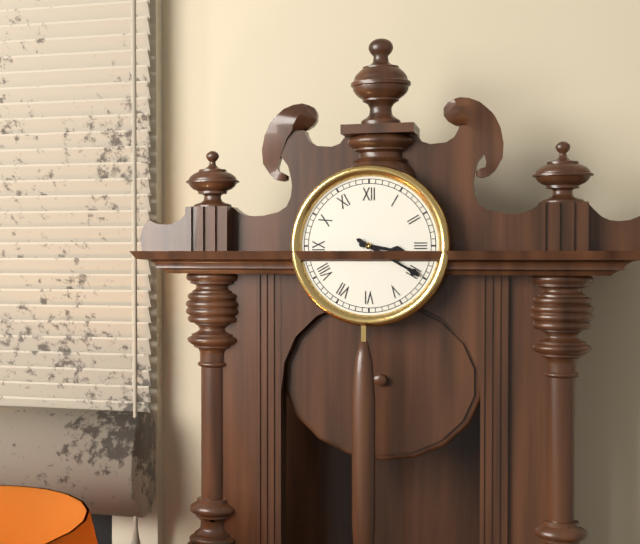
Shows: 3h20
